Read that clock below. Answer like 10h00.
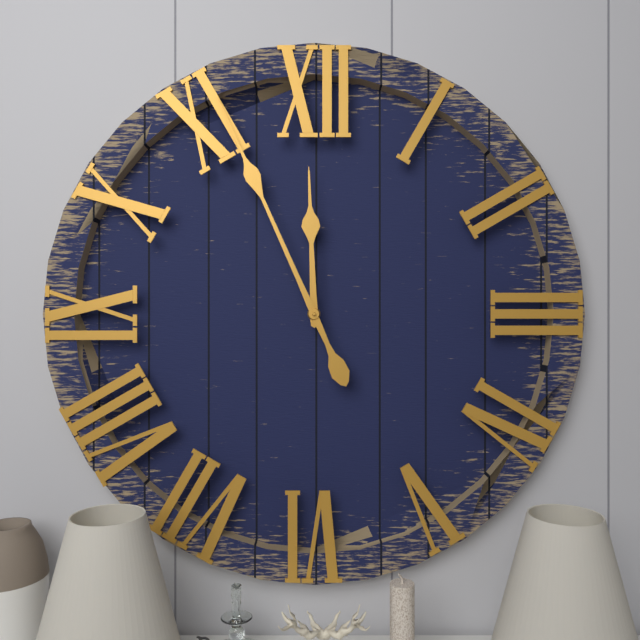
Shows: 11h56
